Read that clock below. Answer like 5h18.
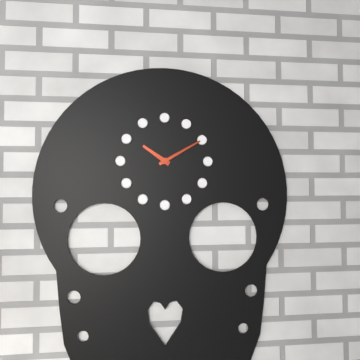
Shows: 10h10
